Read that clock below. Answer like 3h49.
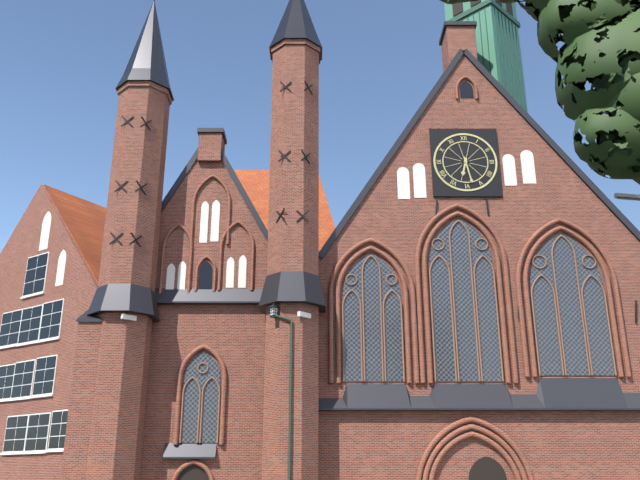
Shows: 6h28
